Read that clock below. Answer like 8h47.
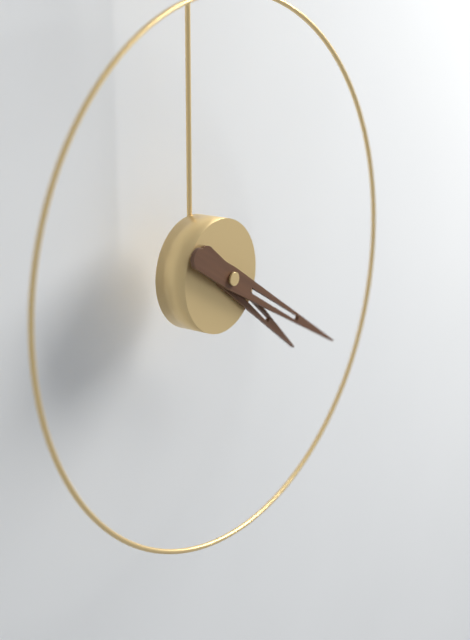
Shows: 4h20
